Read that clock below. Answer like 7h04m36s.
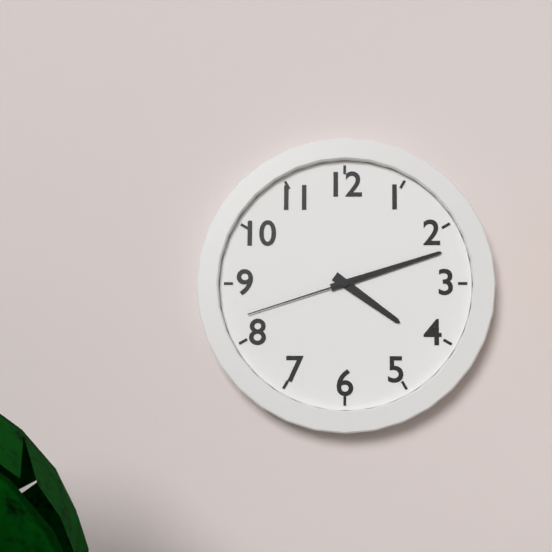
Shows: 4h12m42s
